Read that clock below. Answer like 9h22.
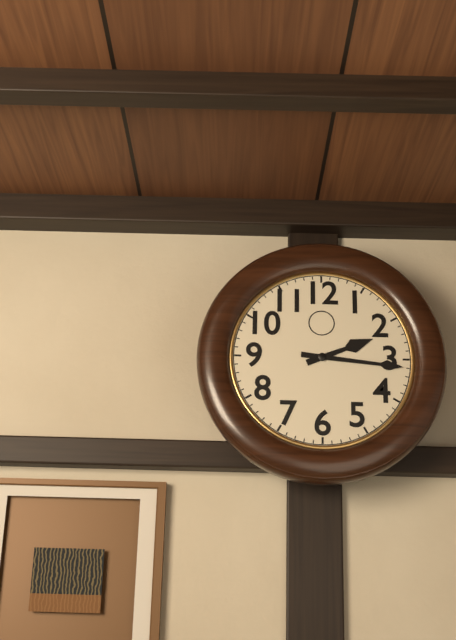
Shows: 2h16
